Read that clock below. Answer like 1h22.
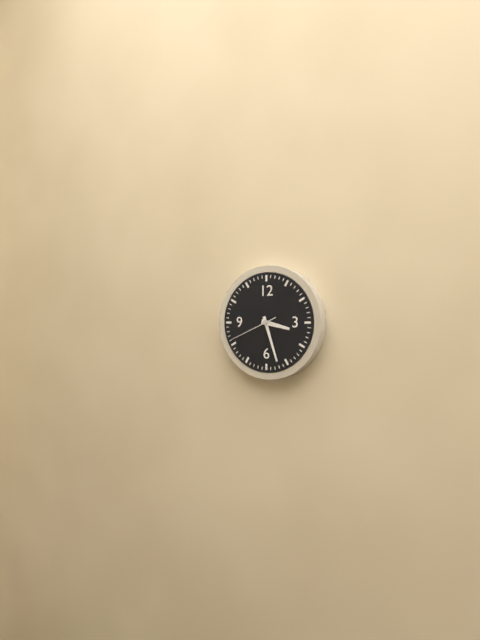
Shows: 3h27
